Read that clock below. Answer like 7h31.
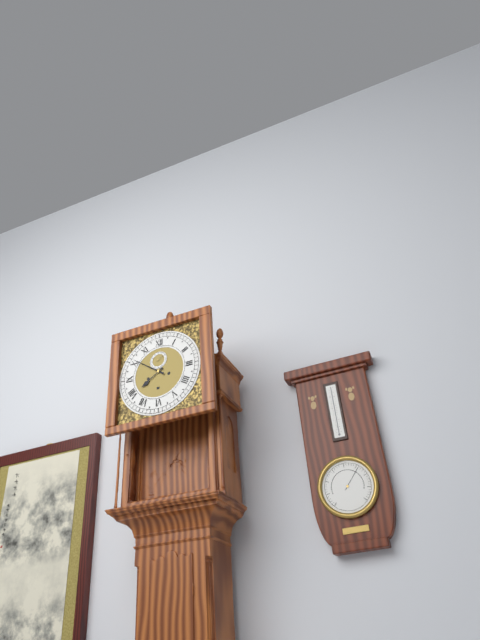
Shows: 7h51
